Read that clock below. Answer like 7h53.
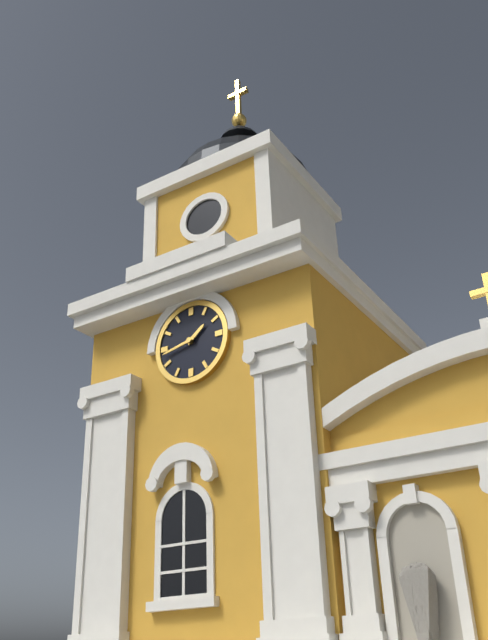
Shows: 1h43
